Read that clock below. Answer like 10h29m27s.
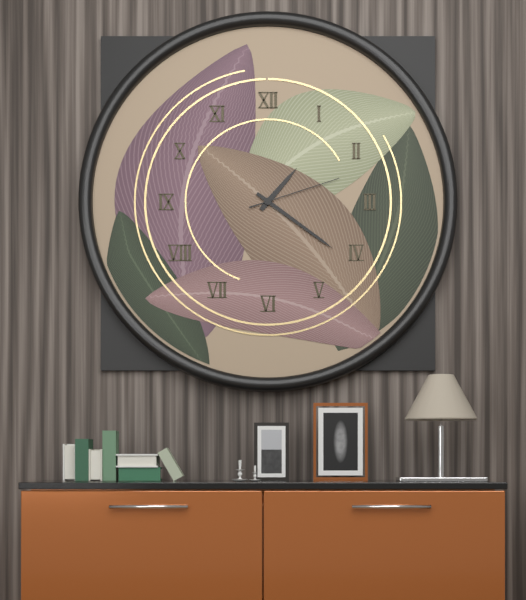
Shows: 1h21m12s
